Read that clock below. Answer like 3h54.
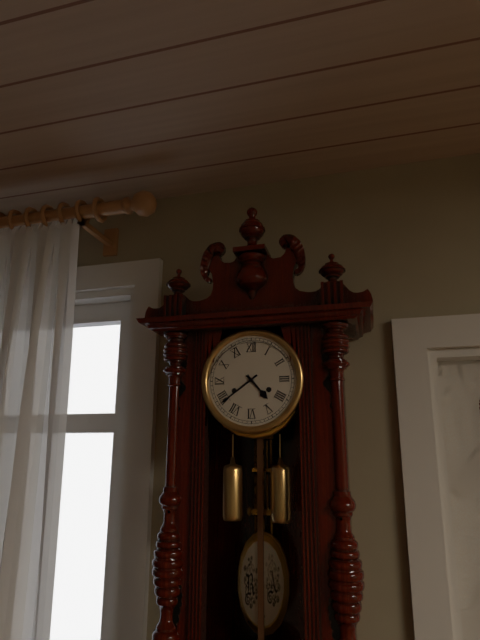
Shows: 4h39
